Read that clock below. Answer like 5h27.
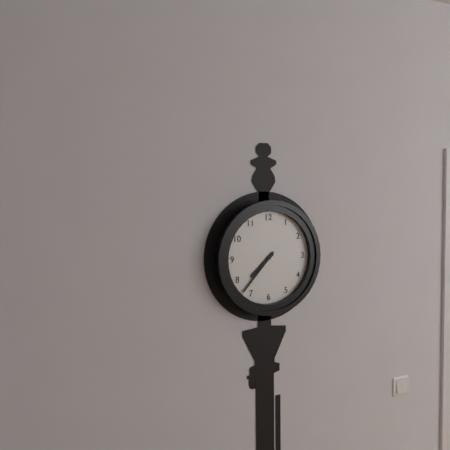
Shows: 7h37
